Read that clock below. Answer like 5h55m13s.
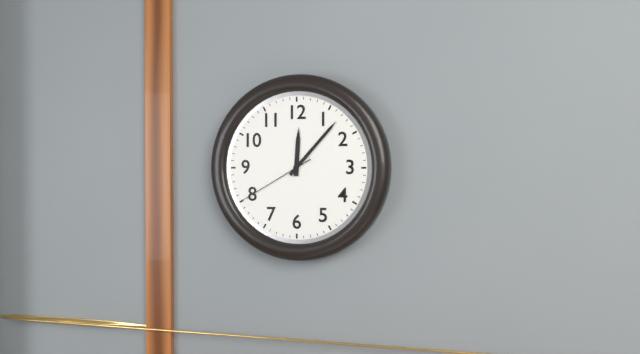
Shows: 12h07m40s
